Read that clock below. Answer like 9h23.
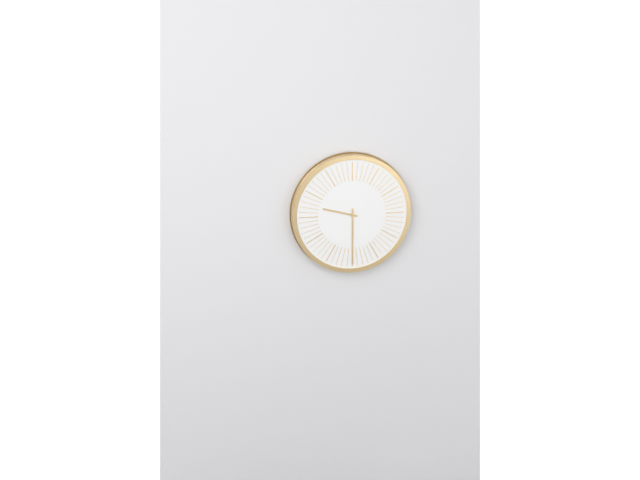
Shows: 9h30
